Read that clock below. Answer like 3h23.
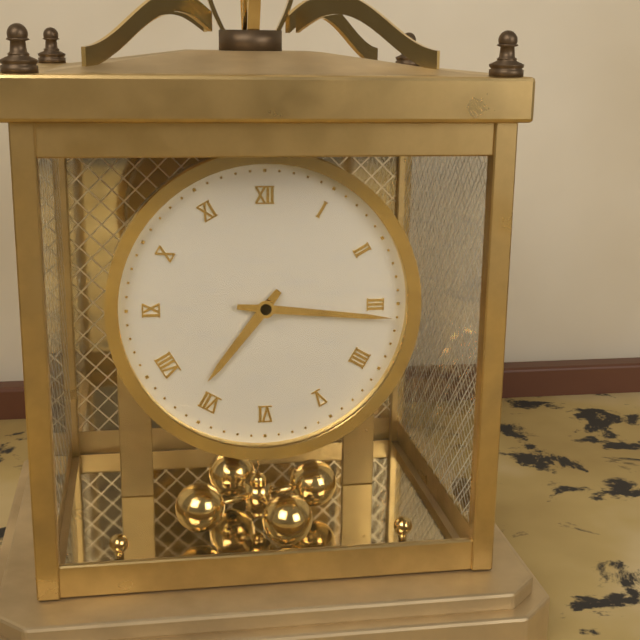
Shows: 7h16
